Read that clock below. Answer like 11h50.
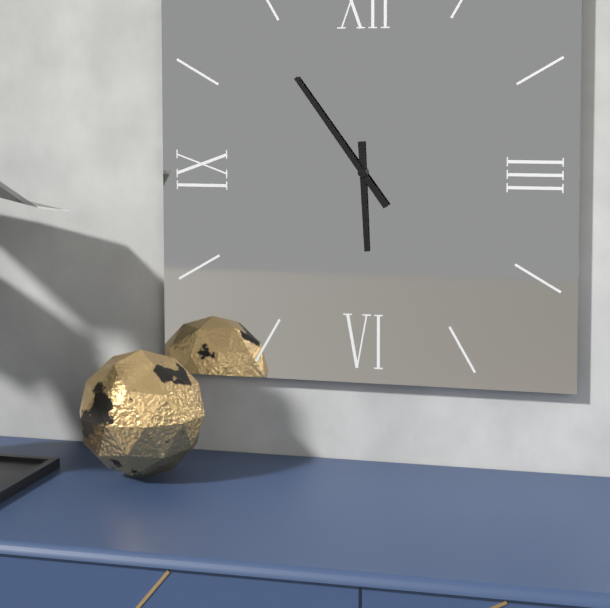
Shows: 5h54
